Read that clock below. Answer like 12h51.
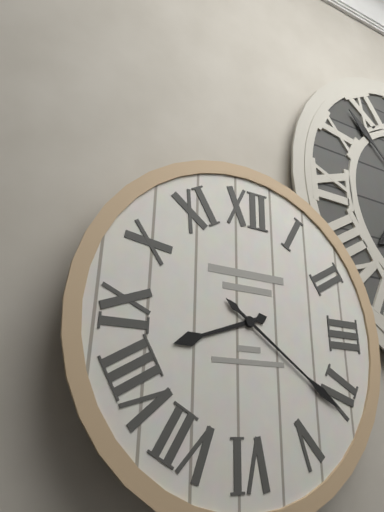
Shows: 8h21
